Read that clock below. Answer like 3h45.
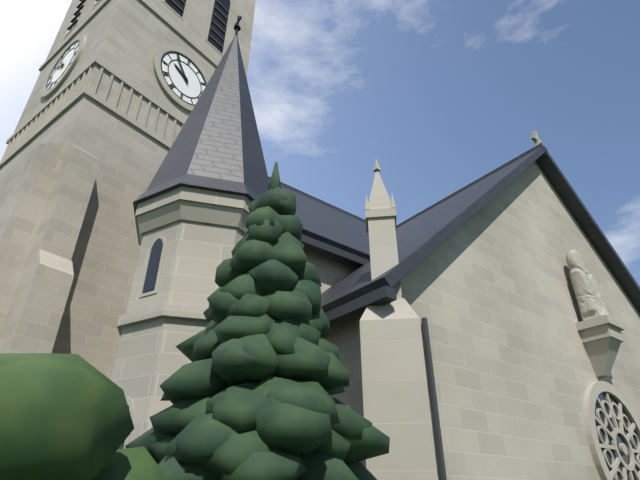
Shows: 9h54
